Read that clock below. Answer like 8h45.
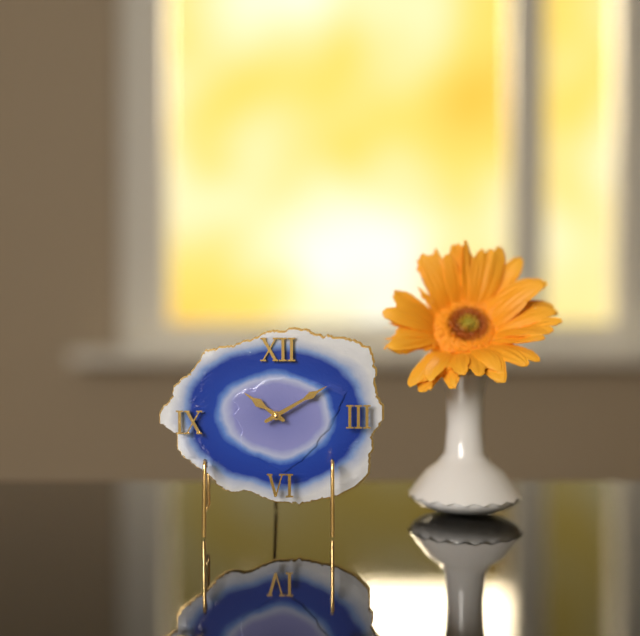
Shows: 10h10
